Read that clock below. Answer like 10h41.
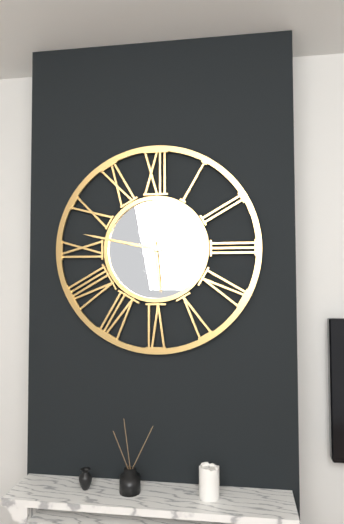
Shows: 5h47
